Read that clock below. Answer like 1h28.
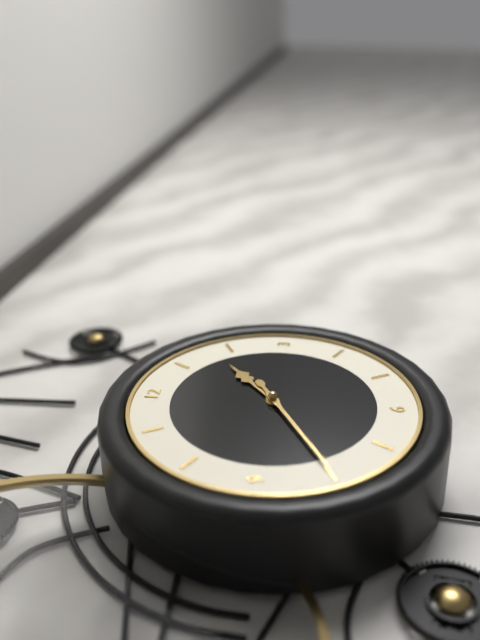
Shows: 1h40
